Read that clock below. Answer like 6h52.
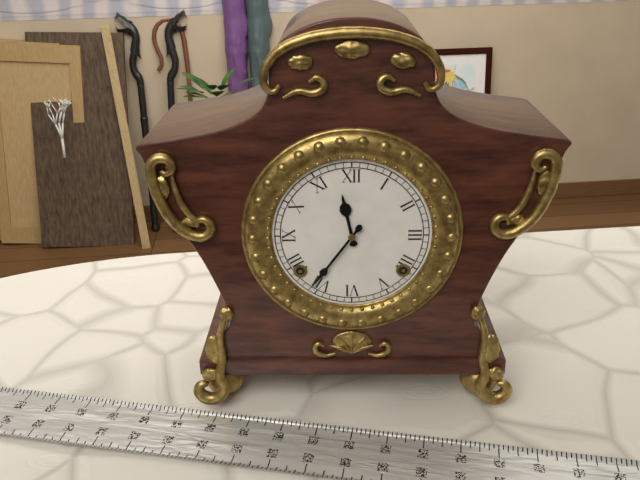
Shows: 11h36
